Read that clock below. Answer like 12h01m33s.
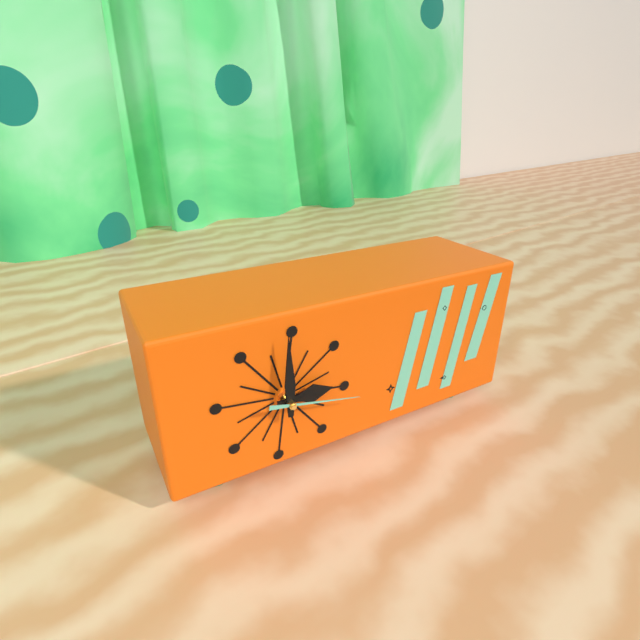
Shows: 3h00m17s
